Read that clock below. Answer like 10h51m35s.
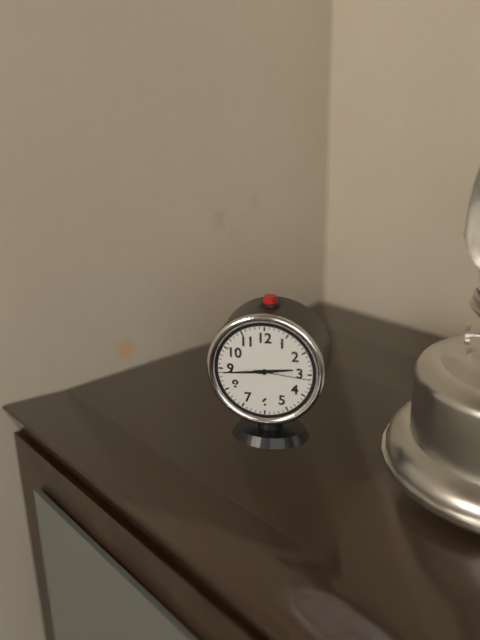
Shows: 2h44m16s
